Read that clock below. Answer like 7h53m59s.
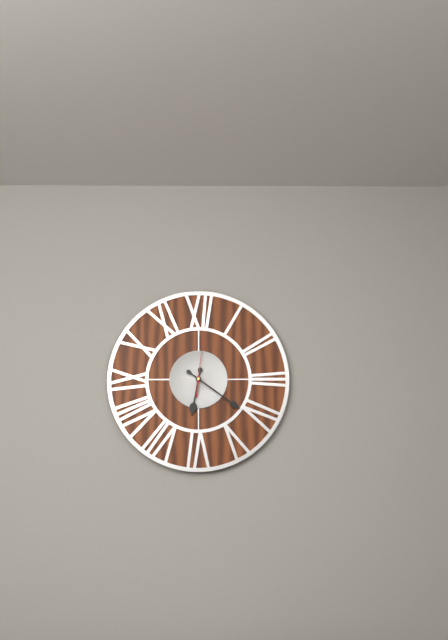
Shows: 6h21m01s
